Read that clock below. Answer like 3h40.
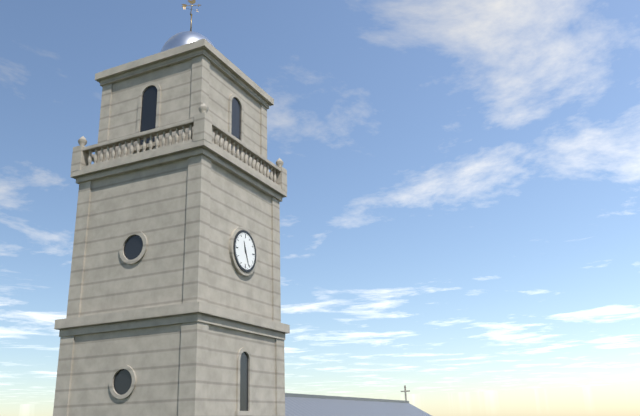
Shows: 11h26
